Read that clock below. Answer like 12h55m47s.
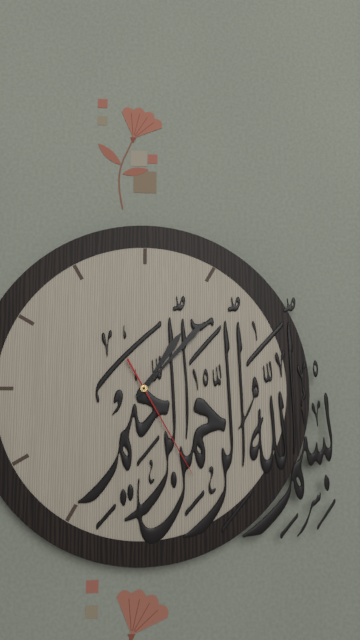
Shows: 1h07m25s
